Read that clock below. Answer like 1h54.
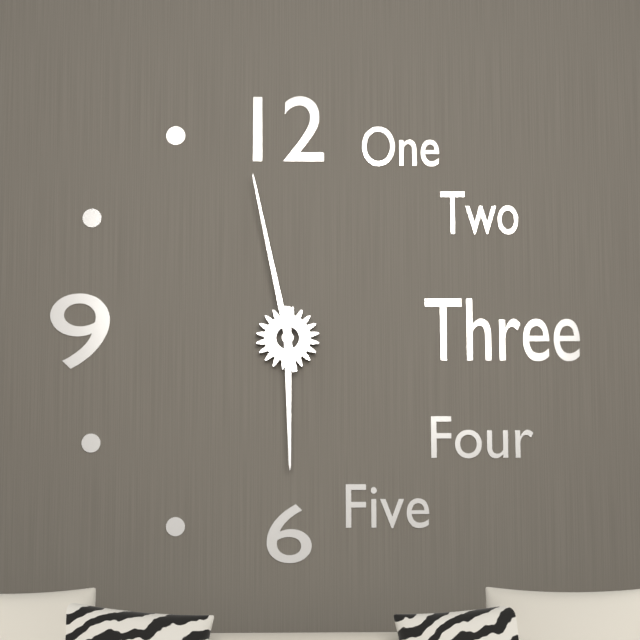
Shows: 5h58
